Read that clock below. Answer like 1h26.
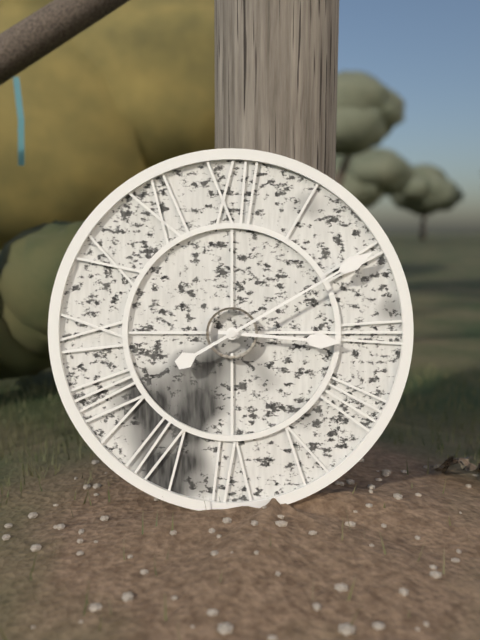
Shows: 3h10
